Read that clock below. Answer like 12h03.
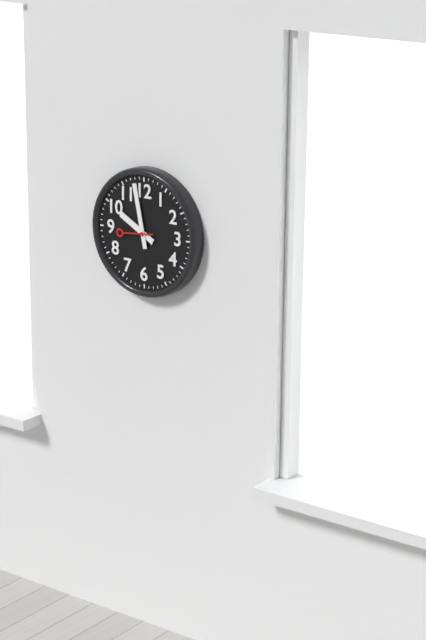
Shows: 9h58
